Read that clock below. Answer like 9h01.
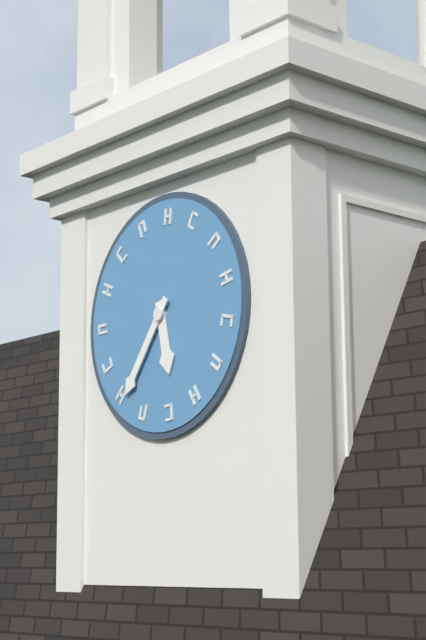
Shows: 5h36
